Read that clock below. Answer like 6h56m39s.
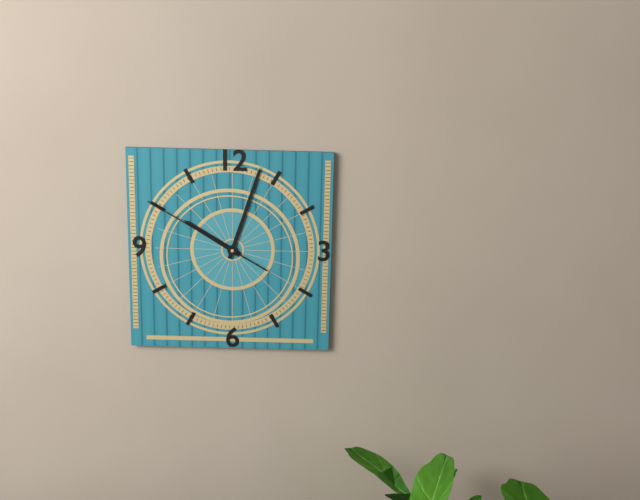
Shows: 10h03m50s
